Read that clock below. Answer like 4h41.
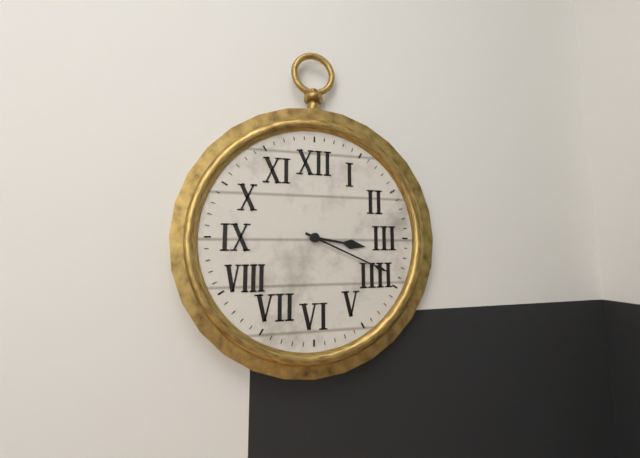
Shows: 3h19
